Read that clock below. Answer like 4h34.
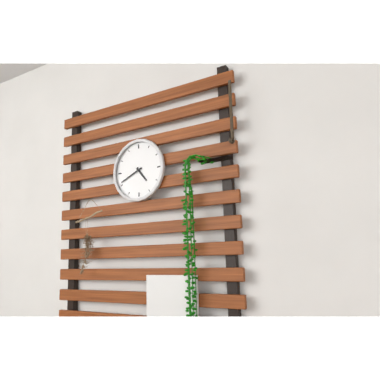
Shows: 4h41
